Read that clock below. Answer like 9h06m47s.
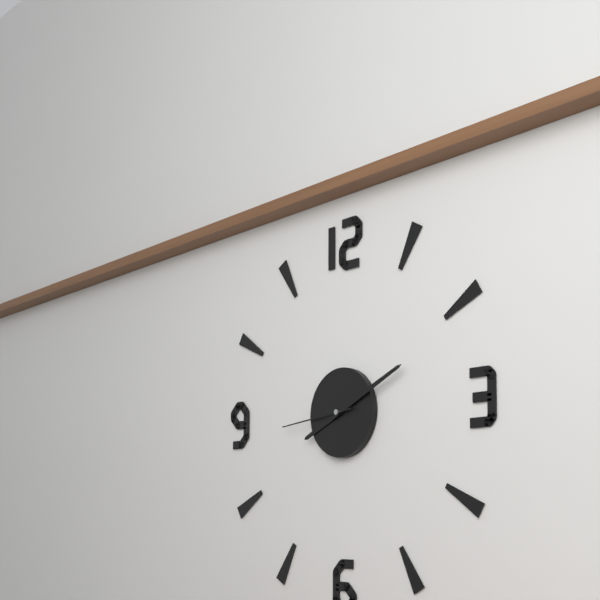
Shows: 8h11m44s
